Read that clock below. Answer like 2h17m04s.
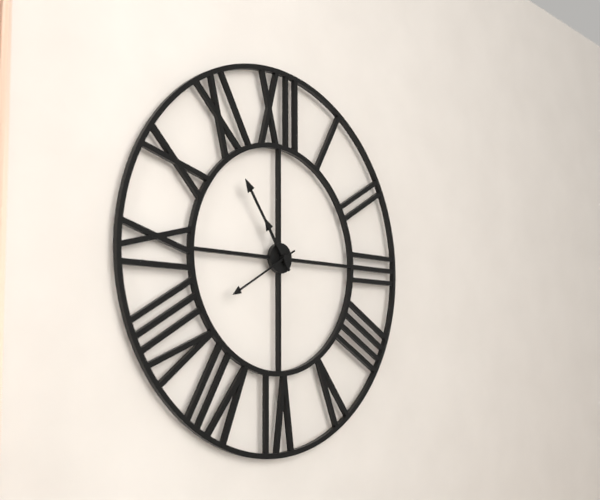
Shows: 10h54m40s
